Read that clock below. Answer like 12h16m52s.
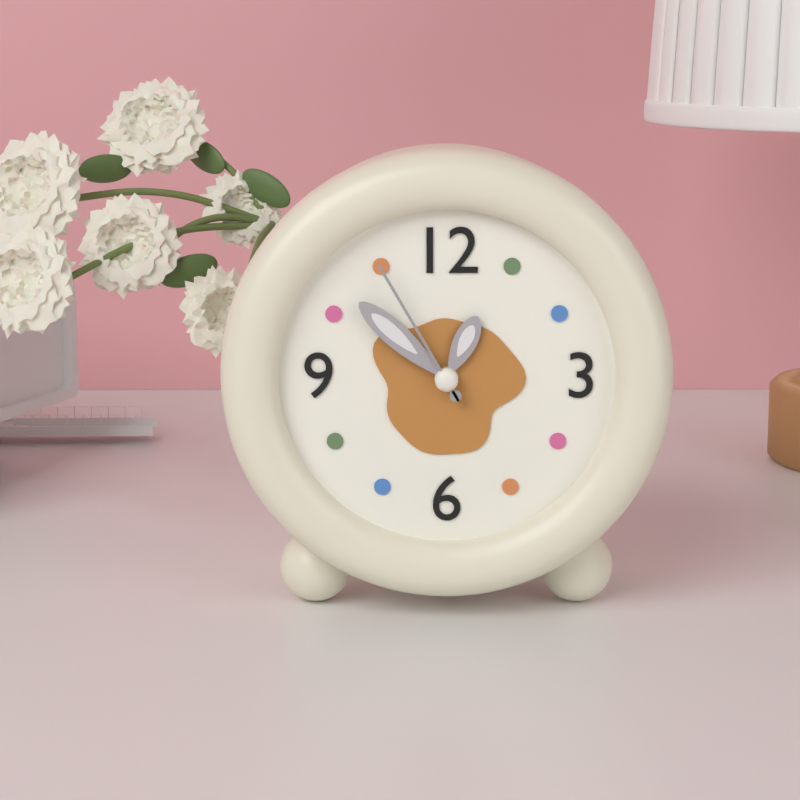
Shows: 12h52m55s
